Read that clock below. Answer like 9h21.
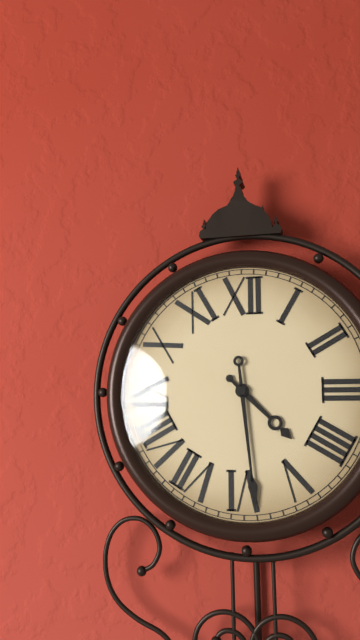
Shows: 4h29
